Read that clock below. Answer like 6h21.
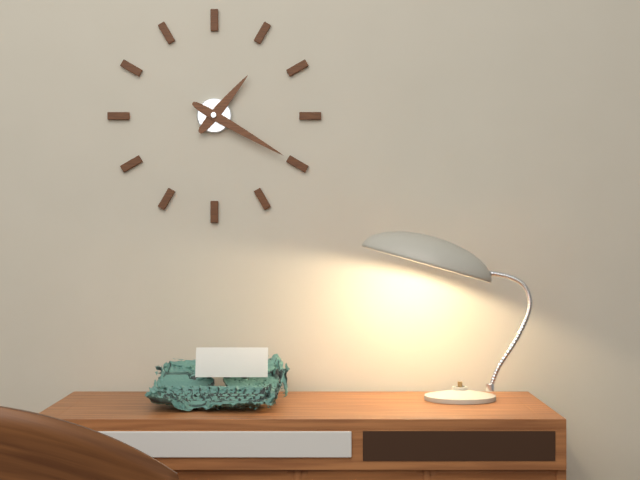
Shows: 1h20
